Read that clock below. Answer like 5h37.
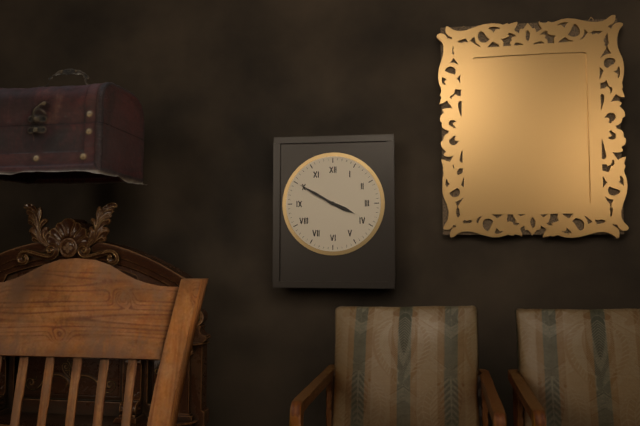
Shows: 3h50
